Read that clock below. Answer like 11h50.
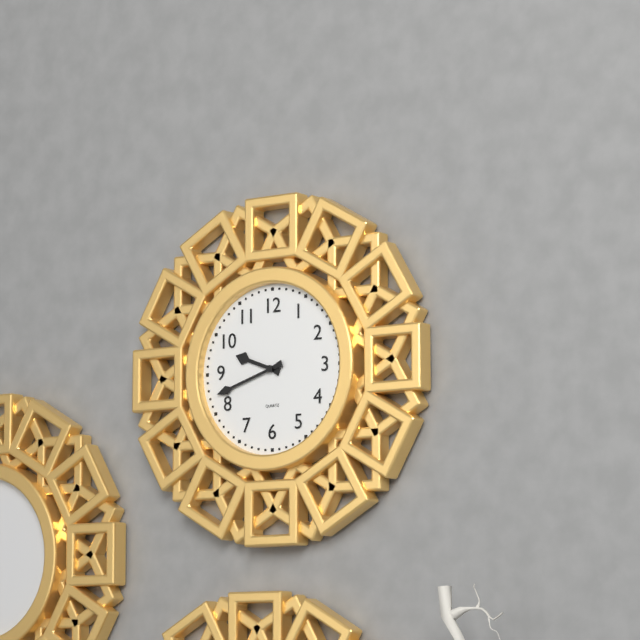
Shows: 9h42
